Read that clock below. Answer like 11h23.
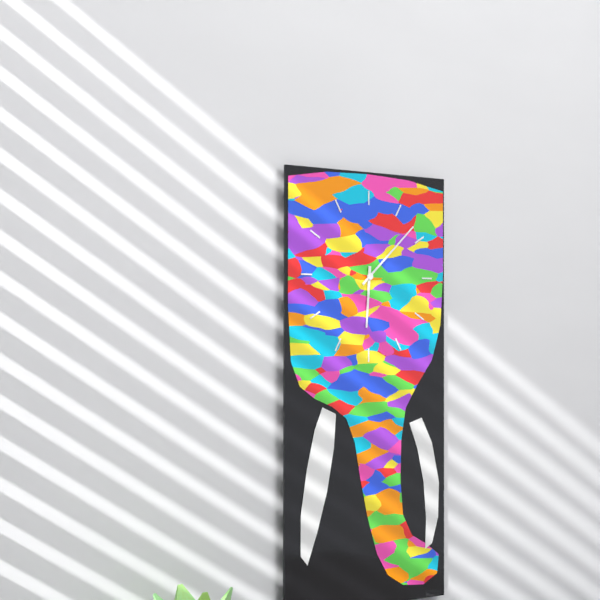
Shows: 6h08
